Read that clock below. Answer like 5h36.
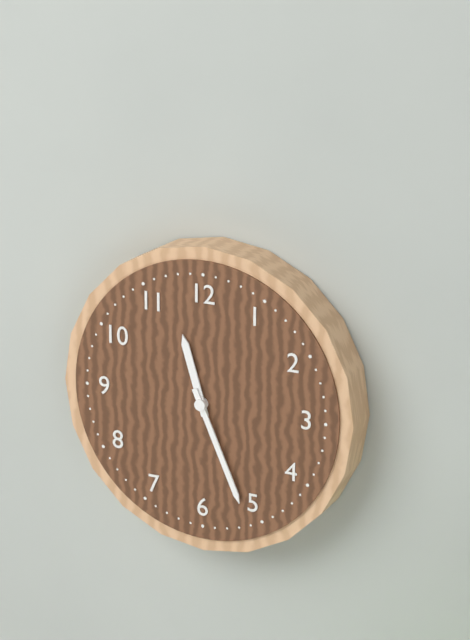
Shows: 11h26
